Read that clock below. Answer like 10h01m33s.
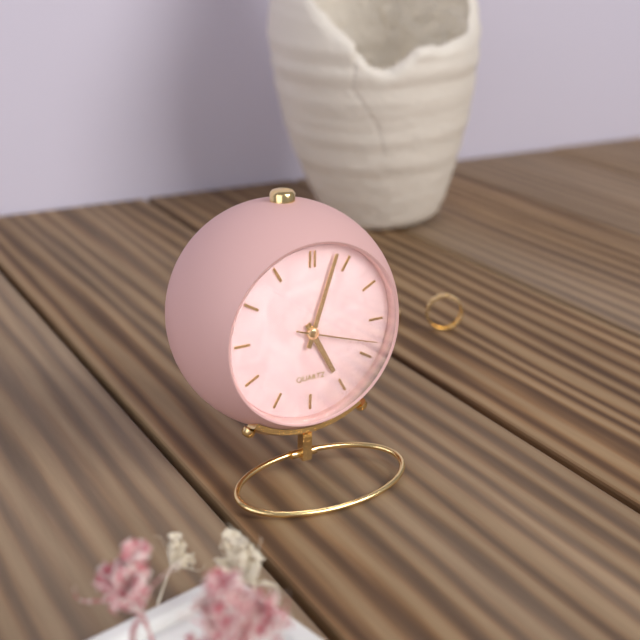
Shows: 5h03m18s
